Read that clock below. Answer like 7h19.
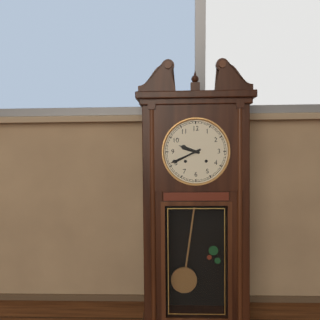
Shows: 9h41
